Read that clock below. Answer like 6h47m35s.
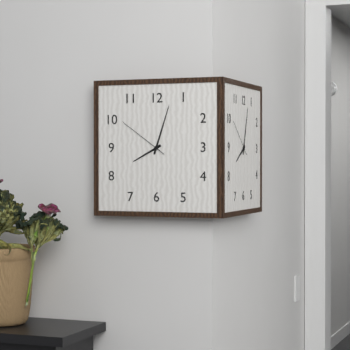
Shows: 8h03m51s
